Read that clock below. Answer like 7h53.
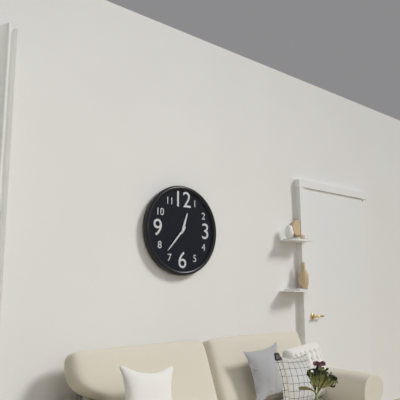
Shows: 12h37
